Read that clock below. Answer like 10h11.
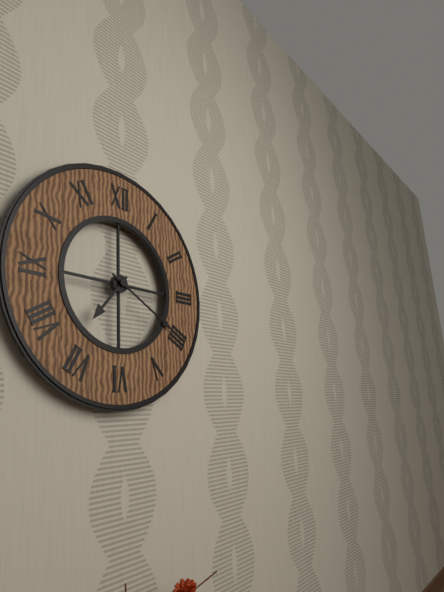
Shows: 7h20
